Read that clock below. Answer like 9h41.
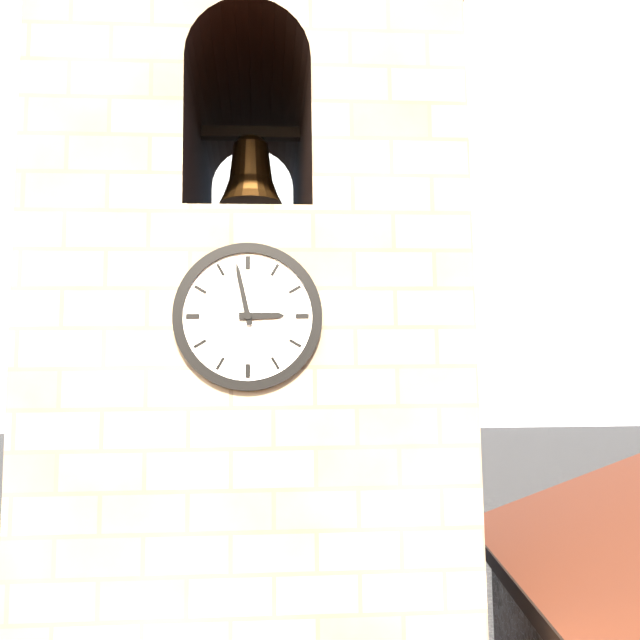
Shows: 2h58
